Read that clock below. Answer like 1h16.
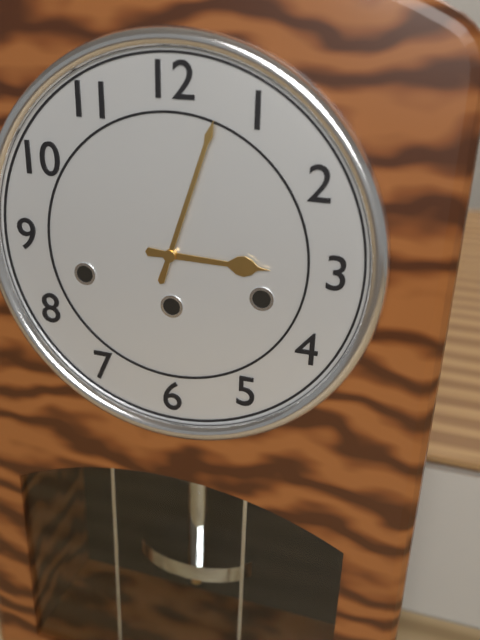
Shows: 3h03
